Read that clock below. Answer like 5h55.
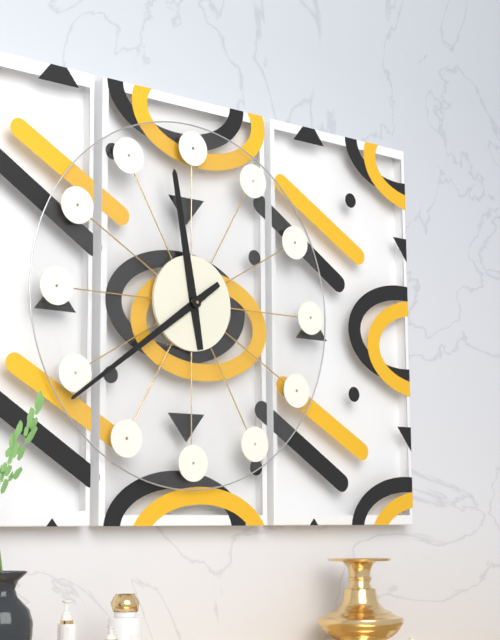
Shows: 11h39
